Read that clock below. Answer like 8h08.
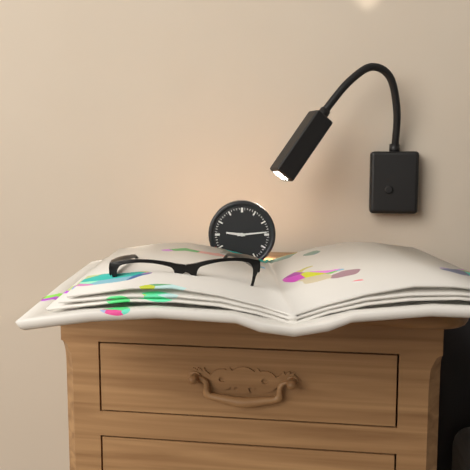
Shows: 9h14
